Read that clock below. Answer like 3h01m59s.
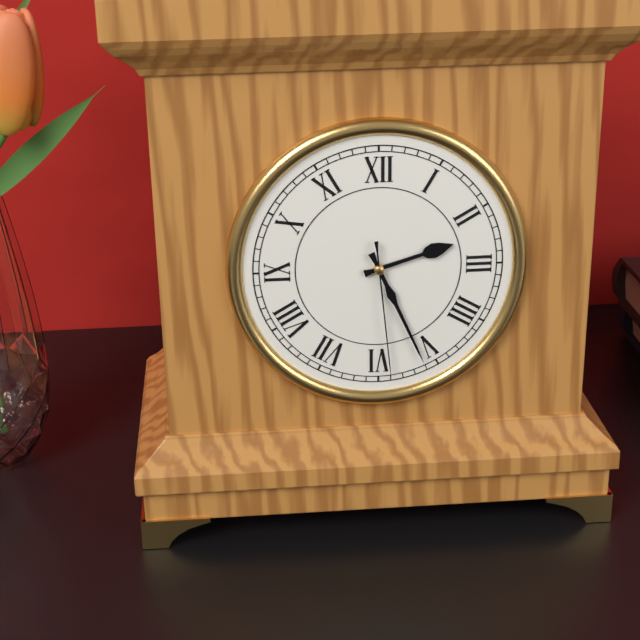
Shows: 2h26m29s
